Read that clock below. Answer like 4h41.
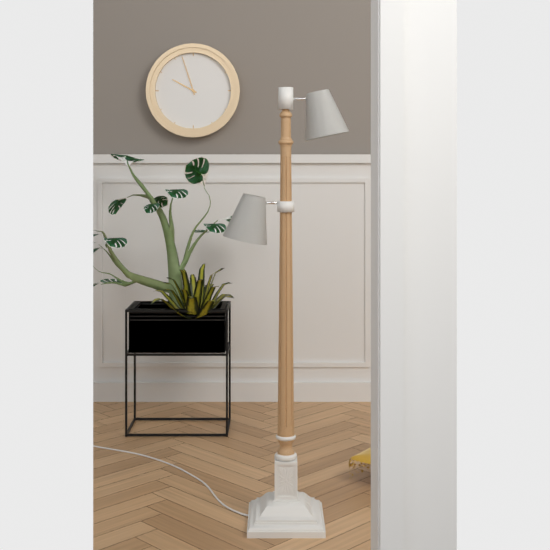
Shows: 9h57
